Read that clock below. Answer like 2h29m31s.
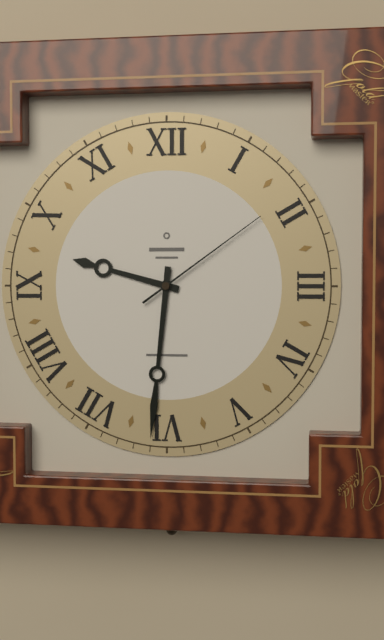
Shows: 9h31m09s
